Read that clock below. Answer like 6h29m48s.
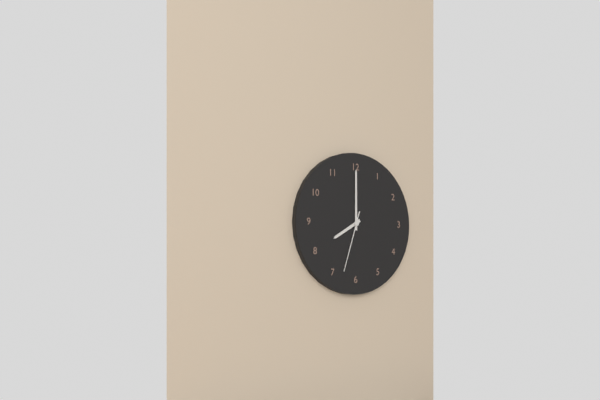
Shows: 8h00m33s
